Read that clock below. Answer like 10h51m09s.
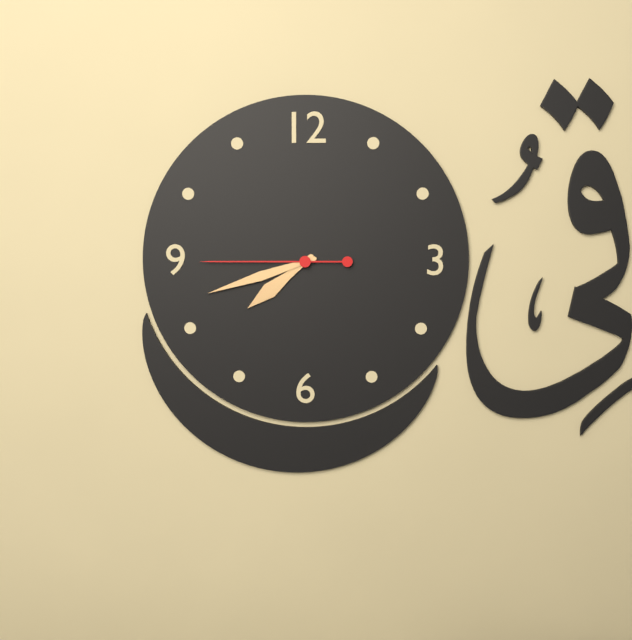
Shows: 7h42m45s
